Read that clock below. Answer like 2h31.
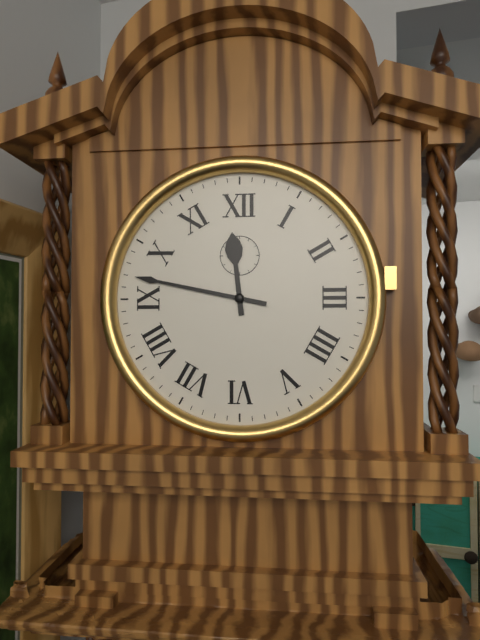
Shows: 11h47
